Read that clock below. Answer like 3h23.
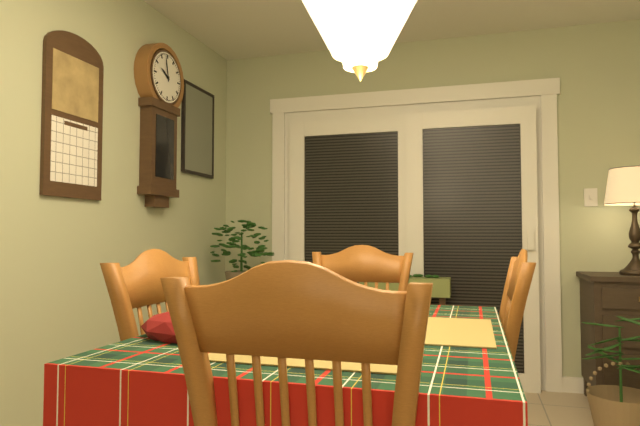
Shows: 9h58
